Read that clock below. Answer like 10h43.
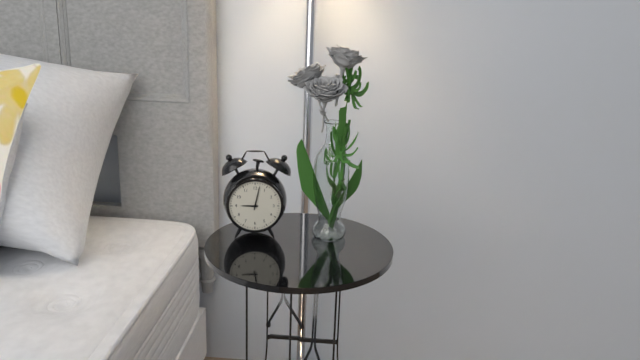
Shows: 9h02
